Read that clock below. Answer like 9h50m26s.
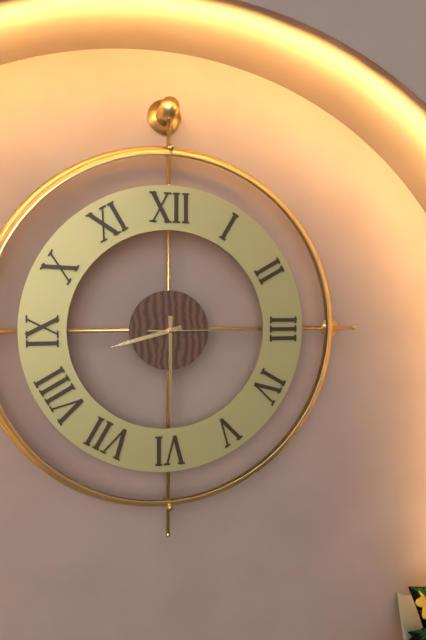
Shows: 8h30m15s
